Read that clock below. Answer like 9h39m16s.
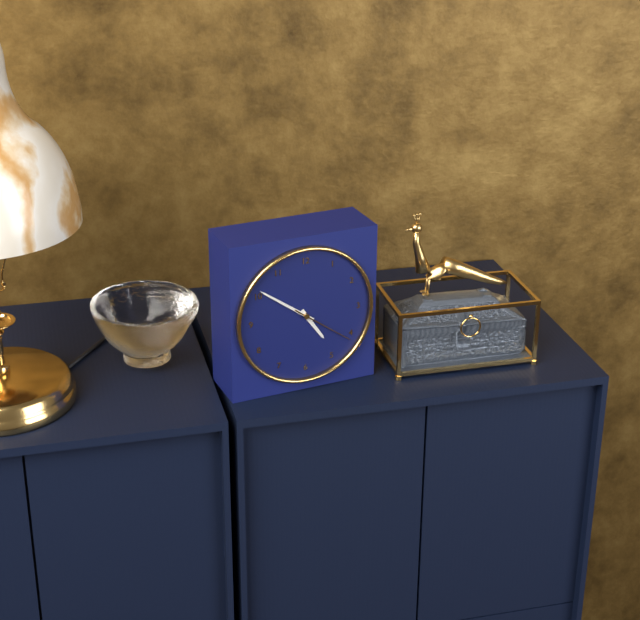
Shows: 4h51m21s
